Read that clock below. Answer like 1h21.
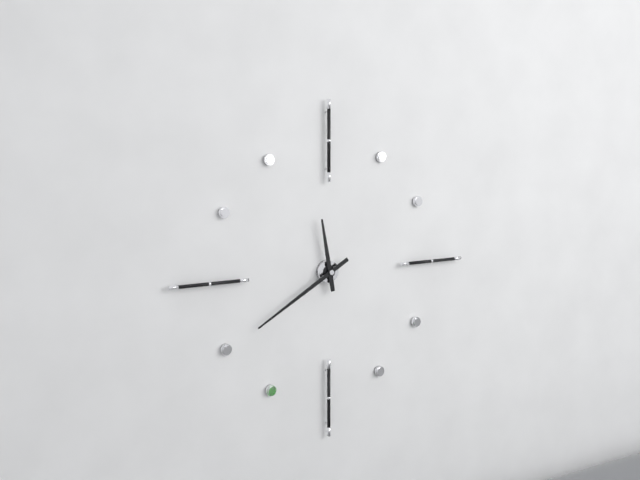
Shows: 11h40
